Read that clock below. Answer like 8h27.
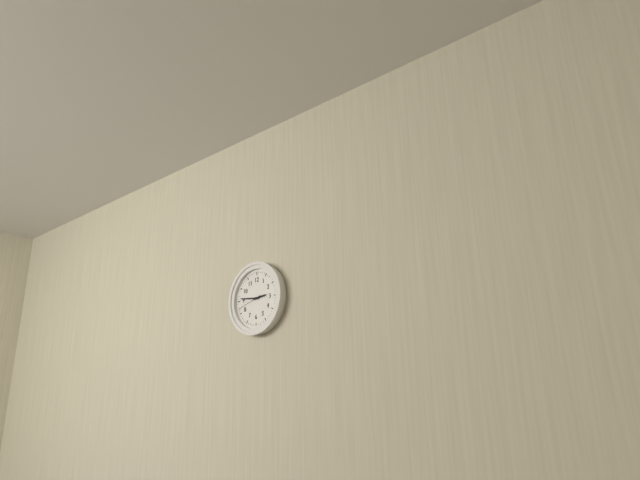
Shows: 2h46
